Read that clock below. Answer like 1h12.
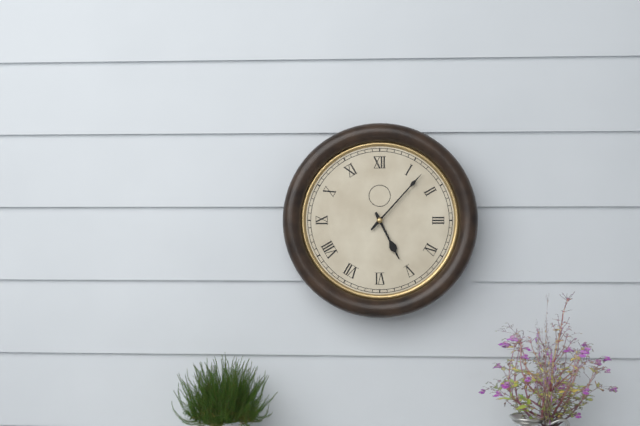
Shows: 5h07
